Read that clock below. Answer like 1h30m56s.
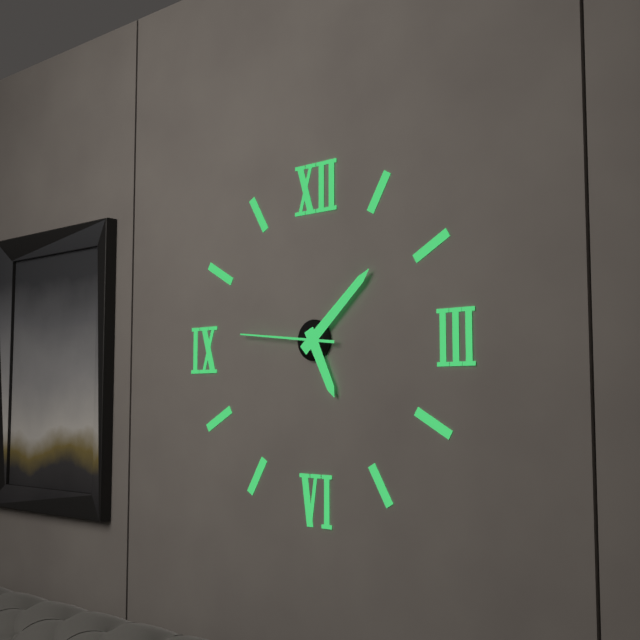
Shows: 5h08m46s
